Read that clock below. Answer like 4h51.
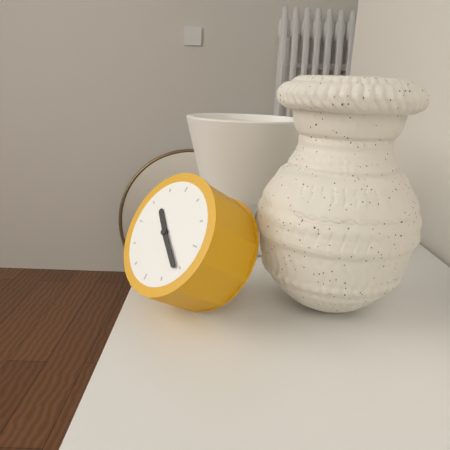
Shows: 10h21
